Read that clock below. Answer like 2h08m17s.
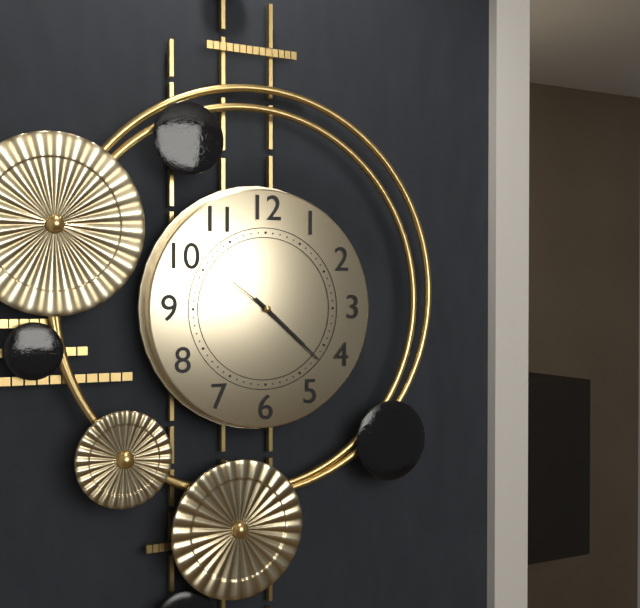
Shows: 4h22m51s
